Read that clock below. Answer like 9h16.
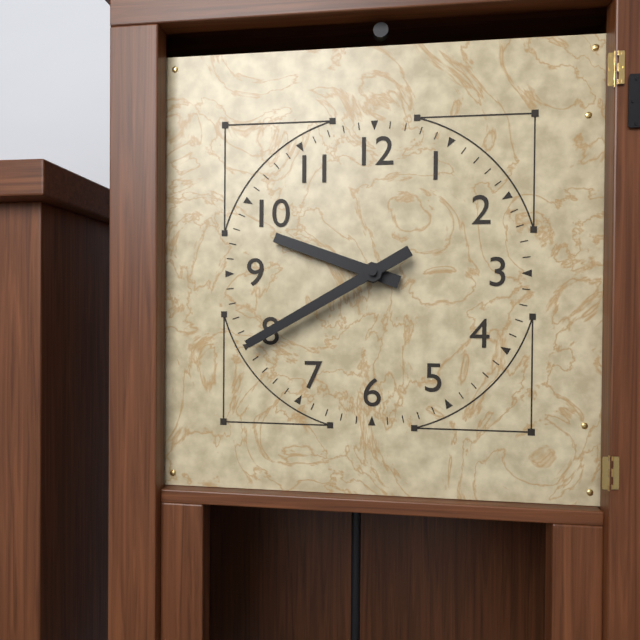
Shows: 9h40
